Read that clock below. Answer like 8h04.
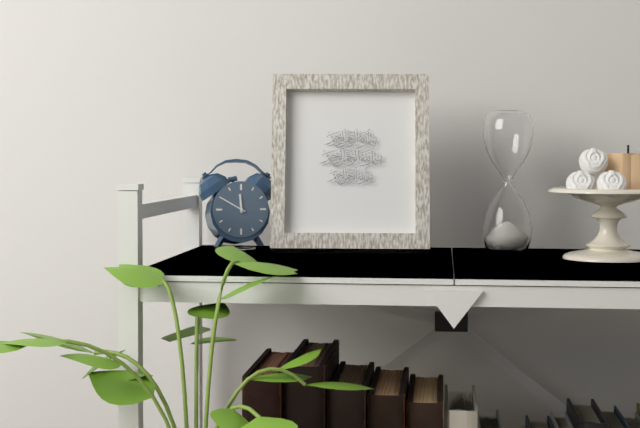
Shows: 11h50
